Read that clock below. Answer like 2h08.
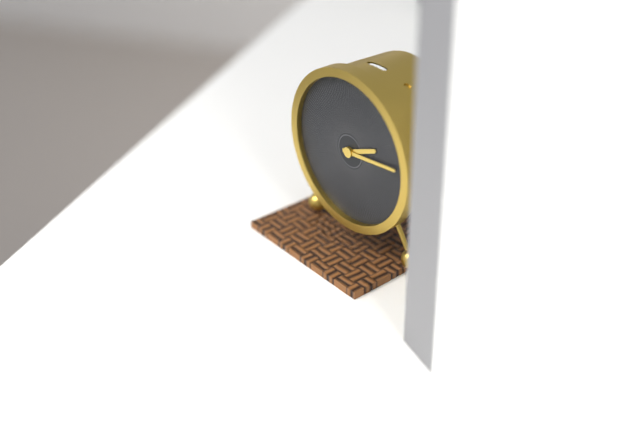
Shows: 2h14
